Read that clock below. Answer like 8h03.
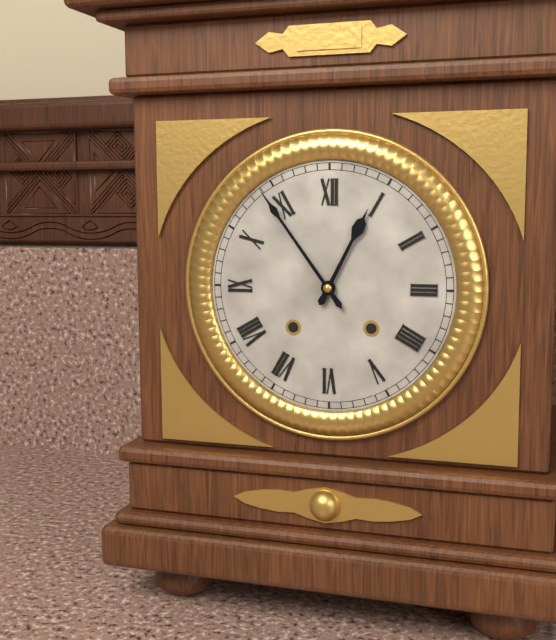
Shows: 12h54
